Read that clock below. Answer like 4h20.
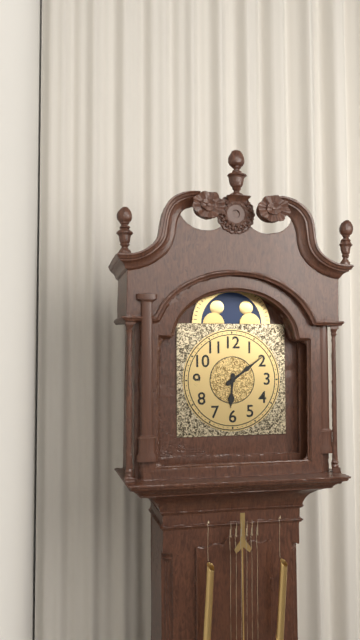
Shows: 6h09
